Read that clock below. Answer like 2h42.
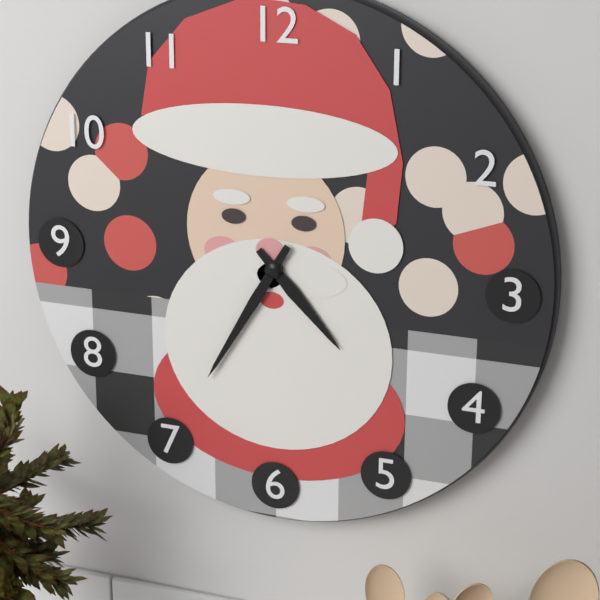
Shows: 4h35
